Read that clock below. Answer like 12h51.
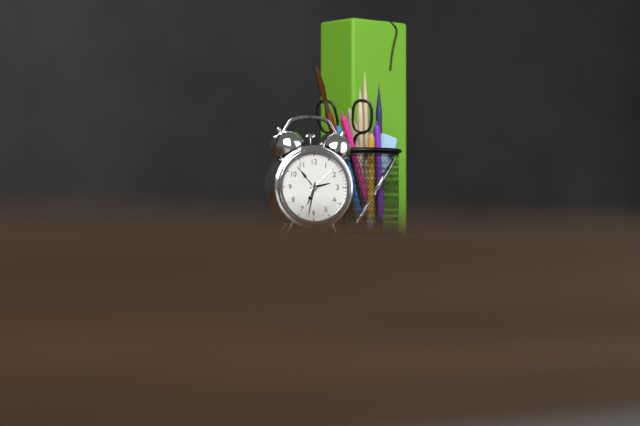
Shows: 2h32
